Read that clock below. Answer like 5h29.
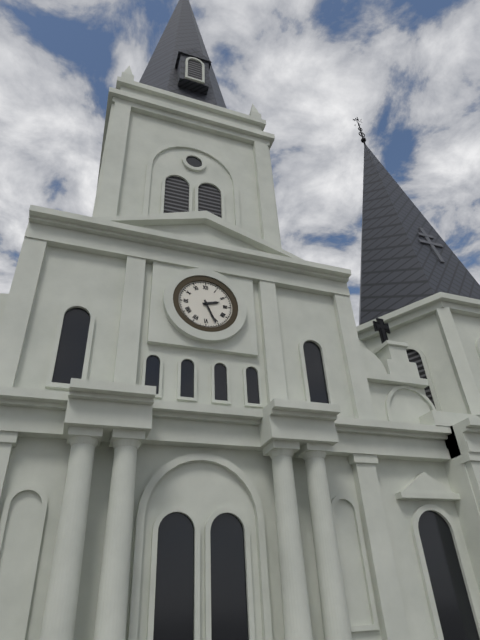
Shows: 2h26
